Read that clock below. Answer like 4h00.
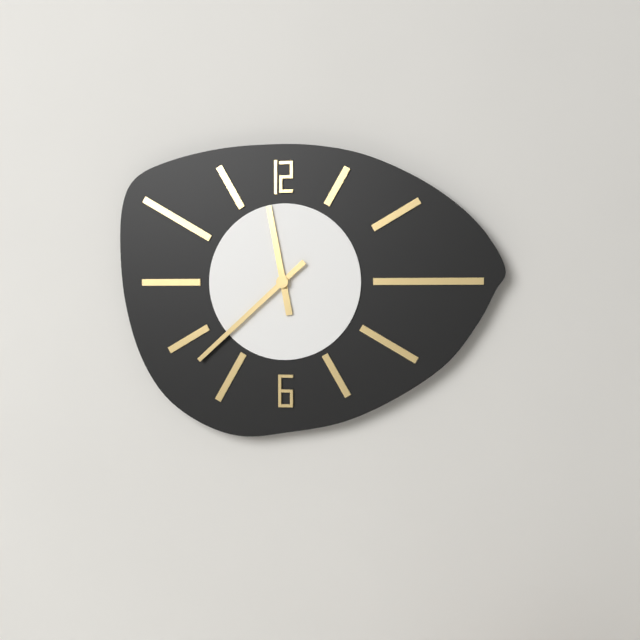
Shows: 11h38
